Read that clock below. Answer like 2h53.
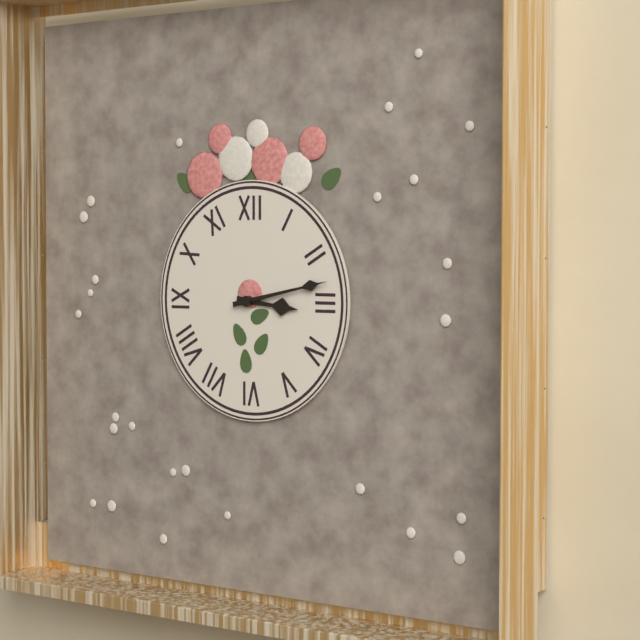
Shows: 3h13
